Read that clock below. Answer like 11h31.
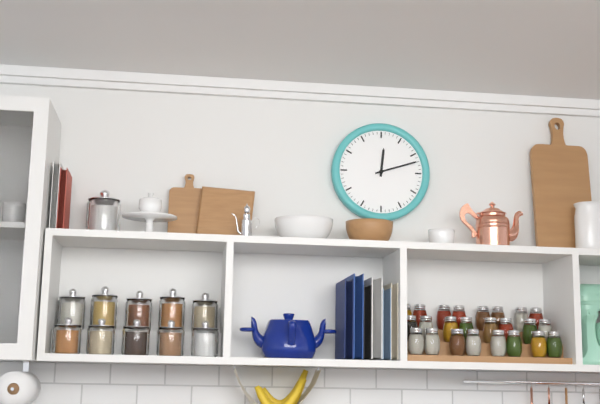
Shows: 12h12
